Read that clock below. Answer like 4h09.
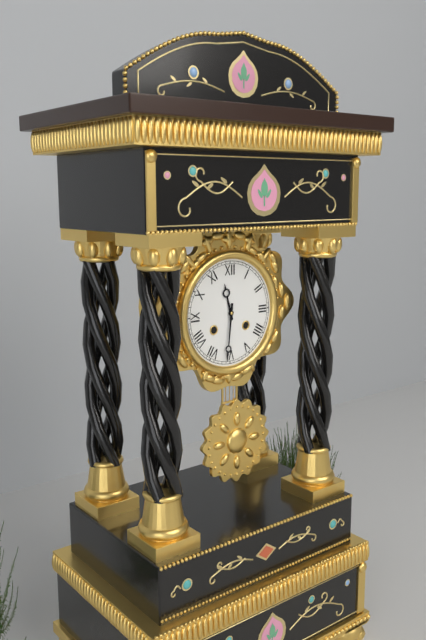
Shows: 11h31
